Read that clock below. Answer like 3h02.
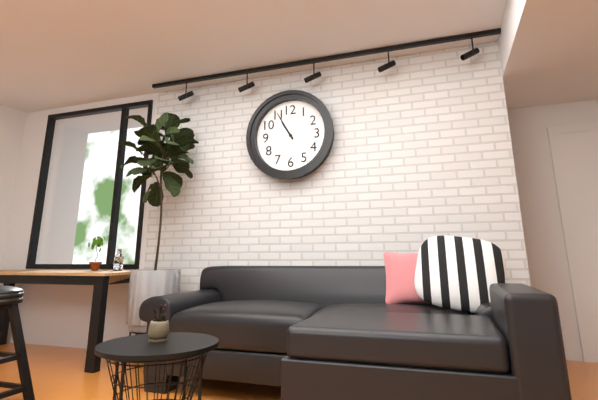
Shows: 10h55
